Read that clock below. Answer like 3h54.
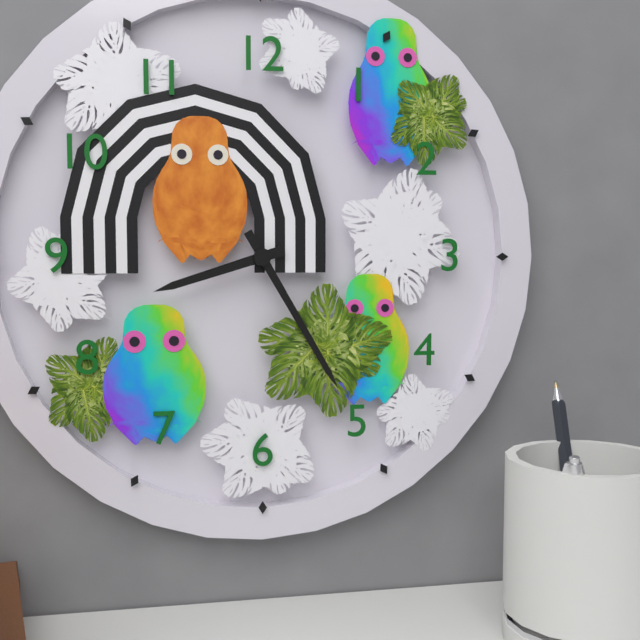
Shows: 8h25
